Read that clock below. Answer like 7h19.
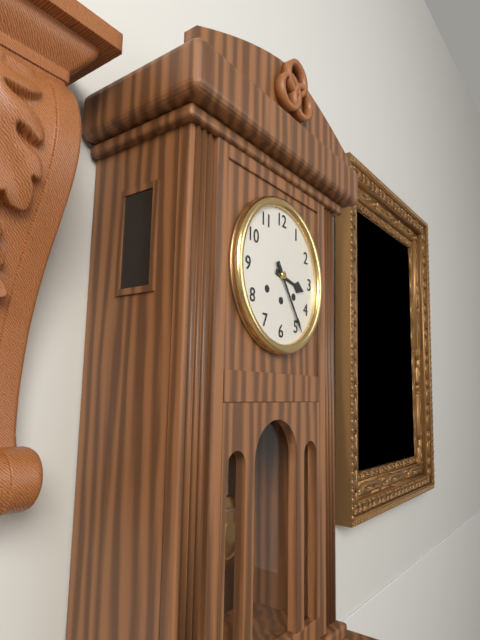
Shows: 3h24
